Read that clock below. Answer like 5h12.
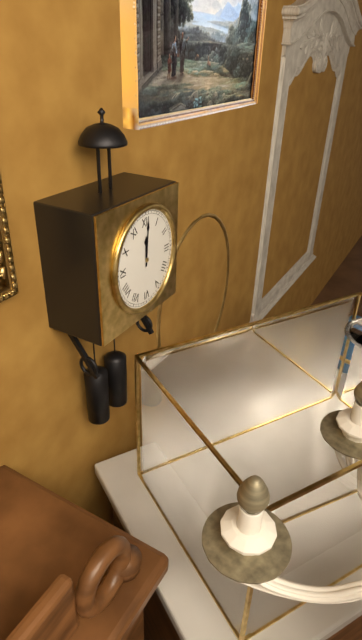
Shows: 12h01
